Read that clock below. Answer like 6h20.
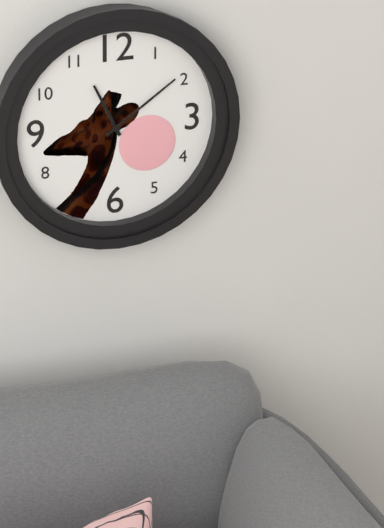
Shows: 11h09
